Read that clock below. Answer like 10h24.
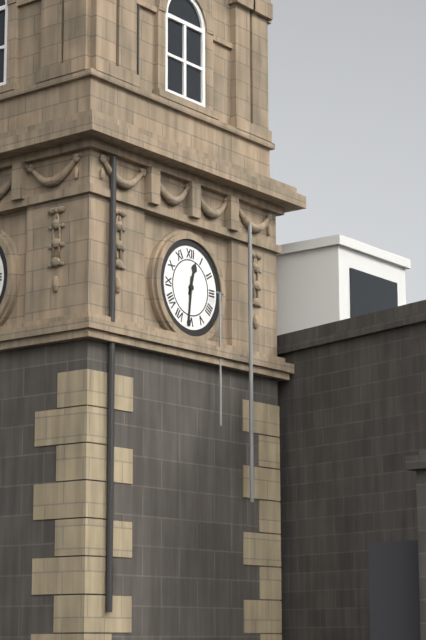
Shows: 12h31
